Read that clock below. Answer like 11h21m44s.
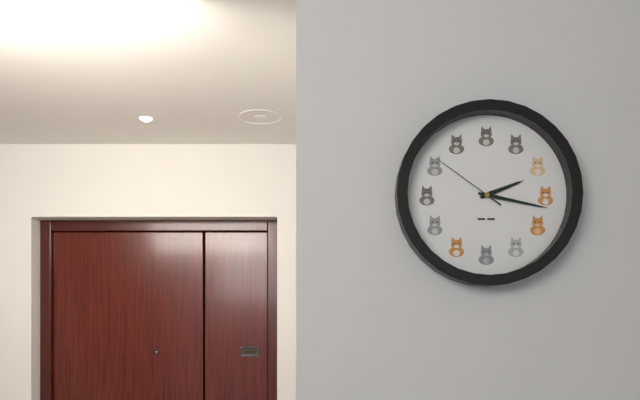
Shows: 2h17m51s
